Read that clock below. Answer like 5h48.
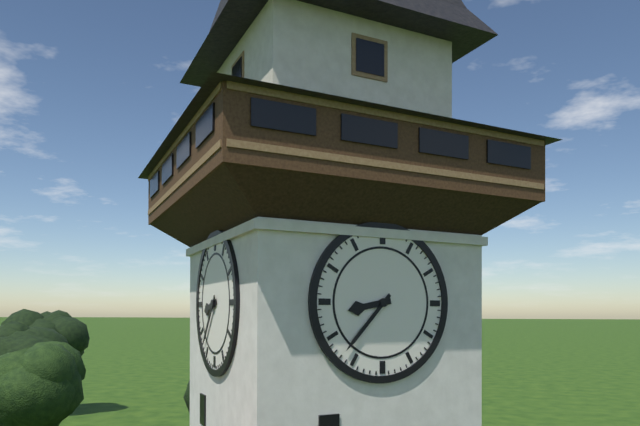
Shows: 8h37
